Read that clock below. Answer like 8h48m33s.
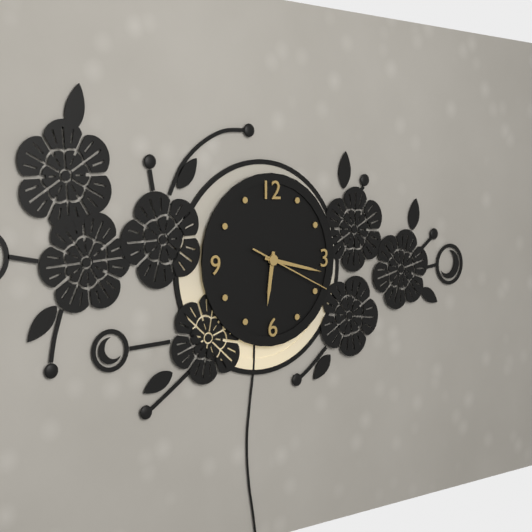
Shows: 6h17m19s
